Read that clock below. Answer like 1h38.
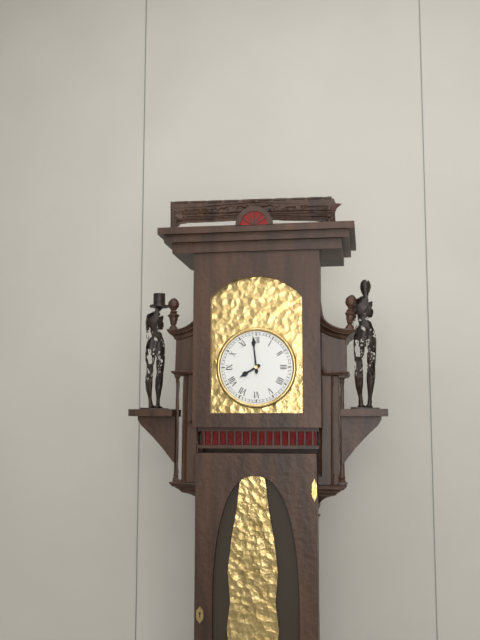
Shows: 7h59
